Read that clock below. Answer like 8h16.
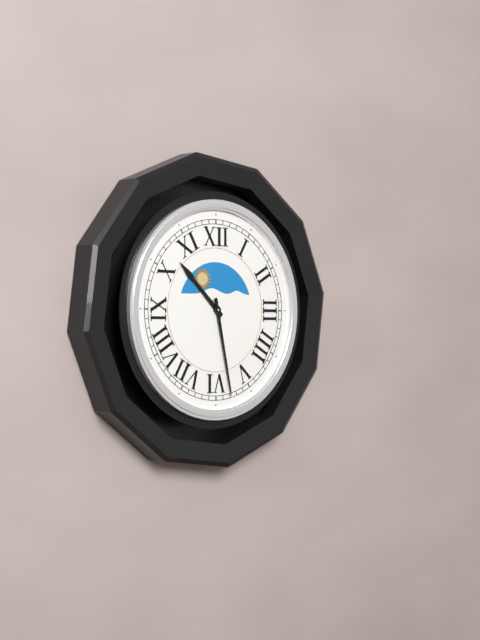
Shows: 10h28
